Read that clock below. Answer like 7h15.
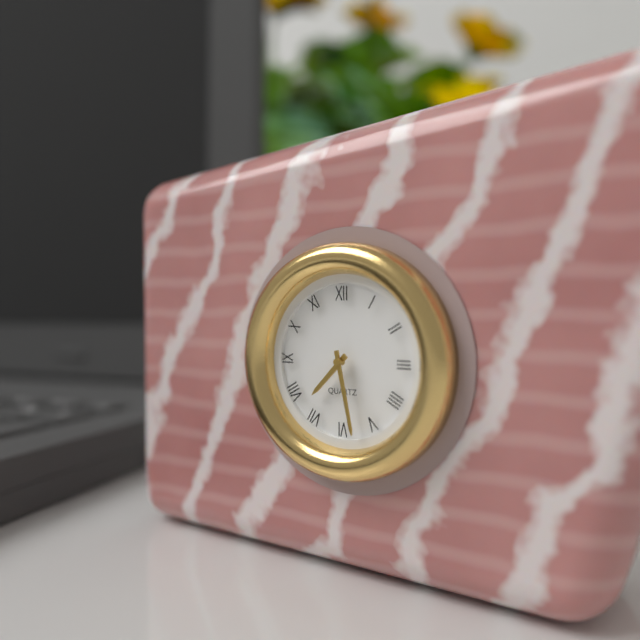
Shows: 7h28
